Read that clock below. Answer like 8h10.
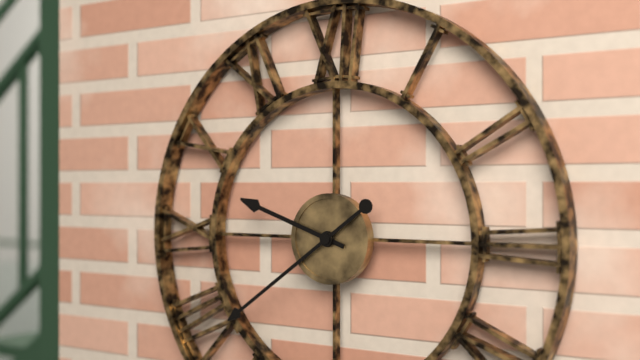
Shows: 9h39
